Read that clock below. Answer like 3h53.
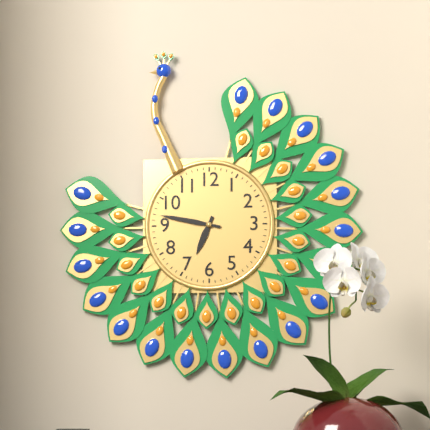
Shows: 6h47
